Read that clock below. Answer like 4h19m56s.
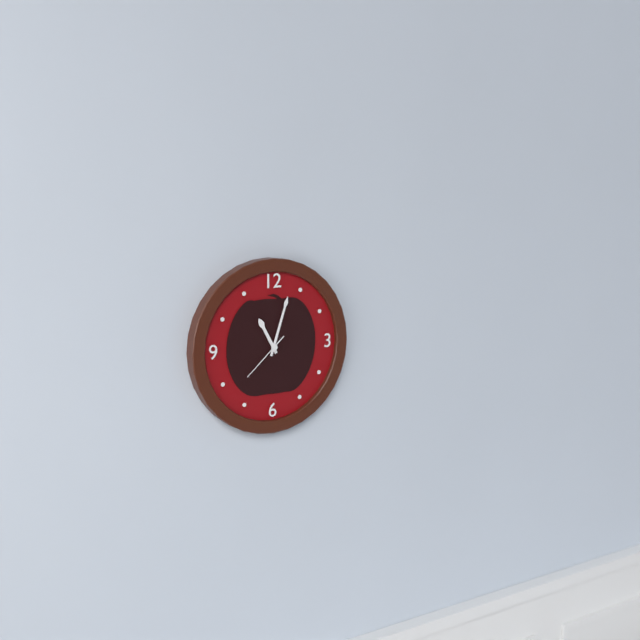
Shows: 11h03m38s
